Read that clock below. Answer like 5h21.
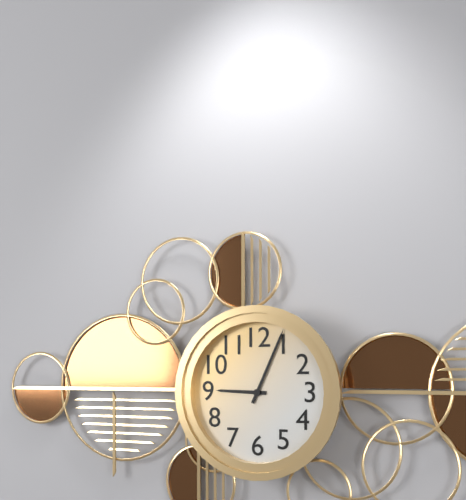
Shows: 9h04
